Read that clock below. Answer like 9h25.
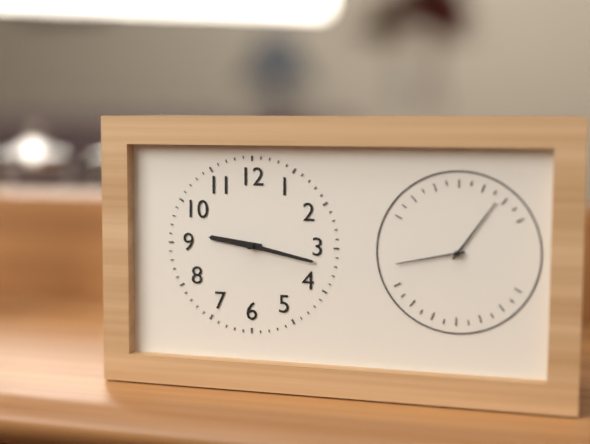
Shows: 9h17
